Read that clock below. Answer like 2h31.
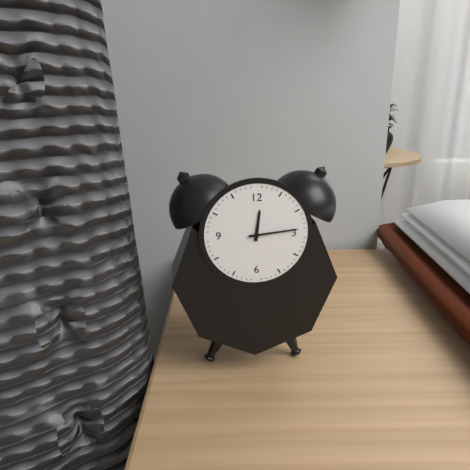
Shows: 12h14
